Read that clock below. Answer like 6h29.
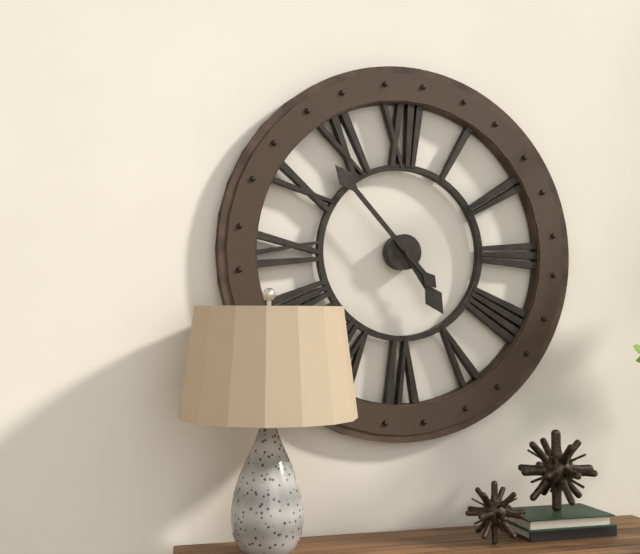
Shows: 4h53
